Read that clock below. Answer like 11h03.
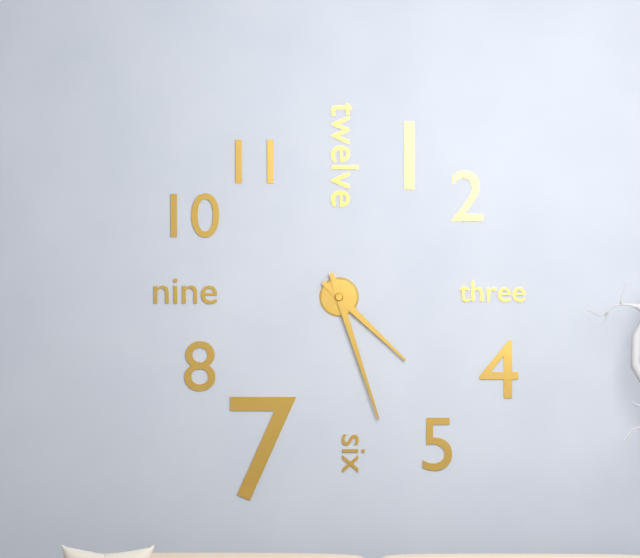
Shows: 4h27
